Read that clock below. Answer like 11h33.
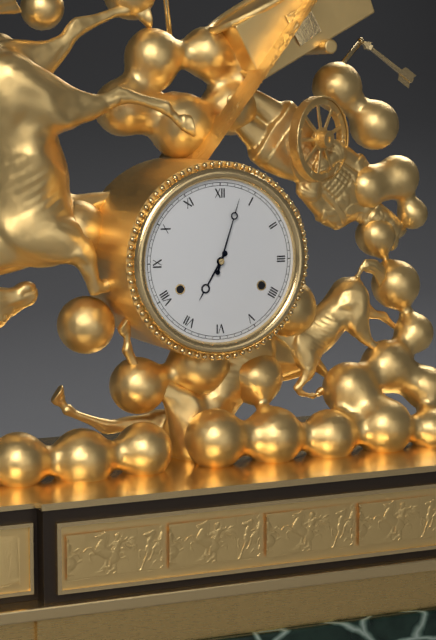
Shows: 7h03
